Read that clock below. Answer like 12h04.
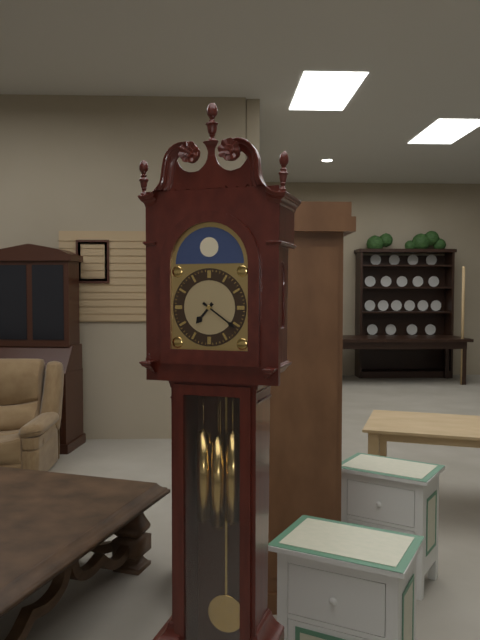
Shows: 7h21
